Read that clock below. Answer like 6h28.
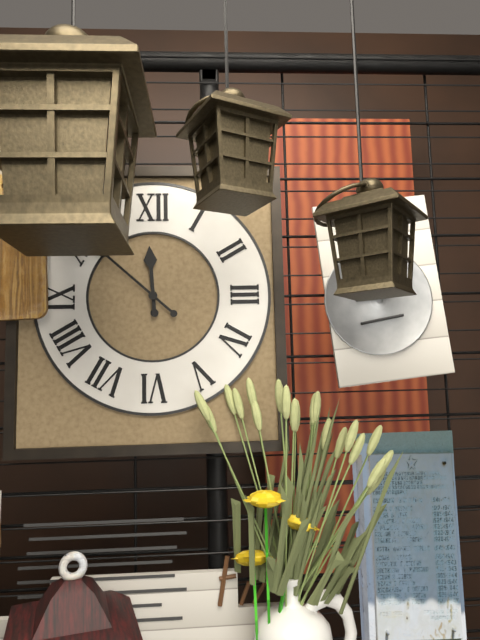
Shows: 11h52
